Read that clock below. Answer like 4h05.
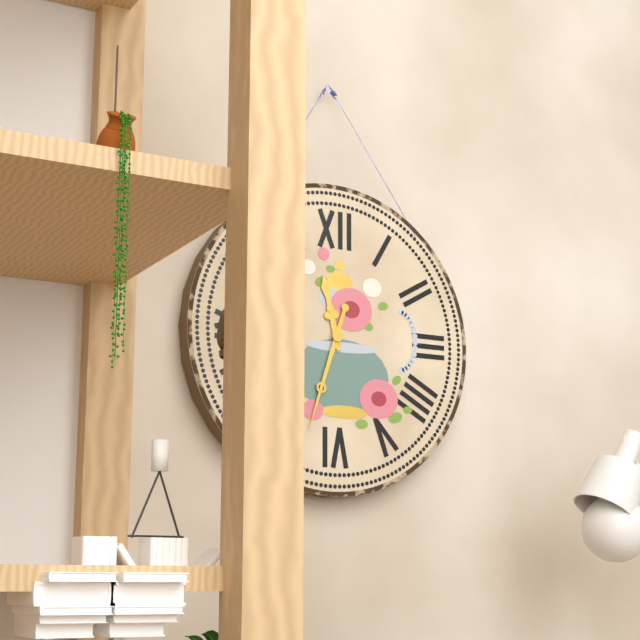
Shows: 11h33
